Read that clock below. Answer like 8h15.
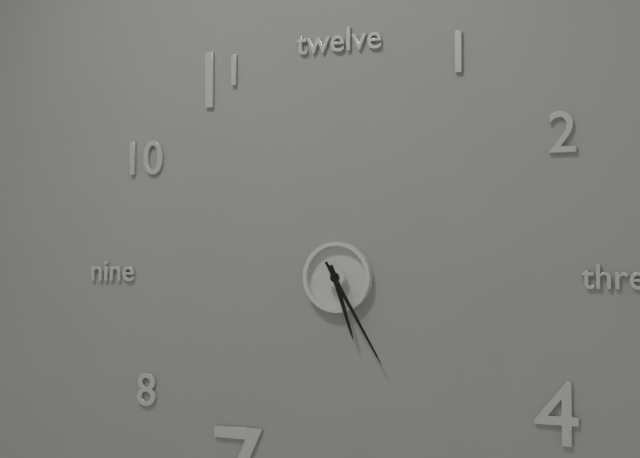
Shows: 5h25
